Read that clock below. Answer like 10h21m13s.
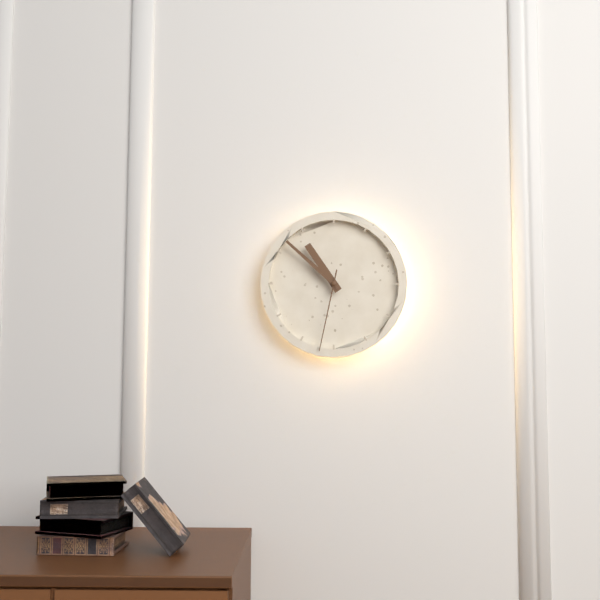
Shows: 10h52m32s
